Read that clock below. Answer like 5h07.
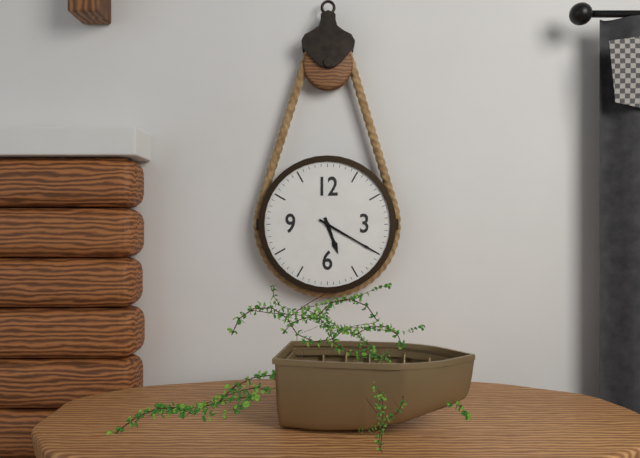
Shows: 5h20
